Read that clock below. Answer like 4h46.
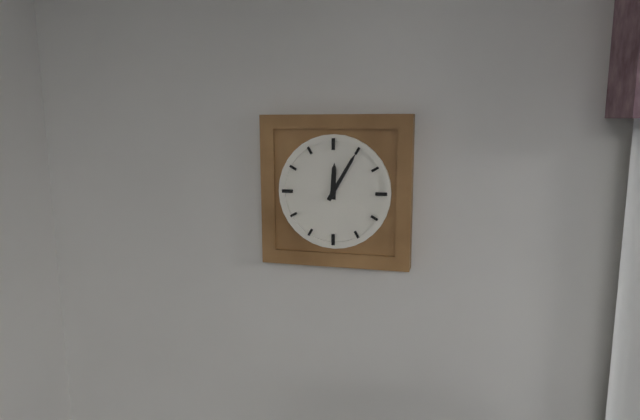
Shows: 12h05
